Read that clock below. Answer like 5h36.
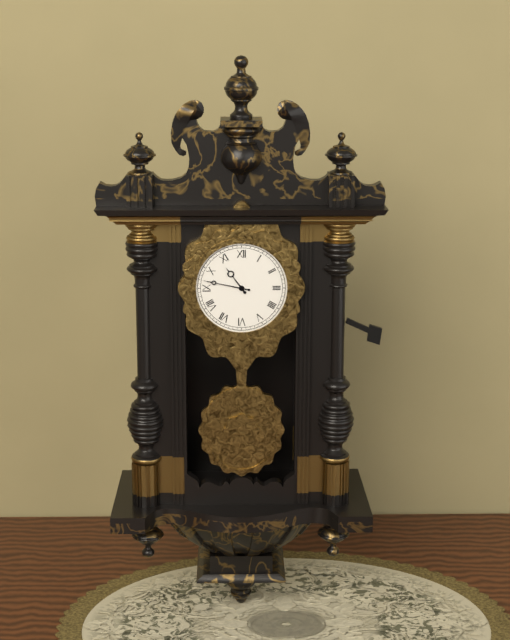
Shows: 10h47
